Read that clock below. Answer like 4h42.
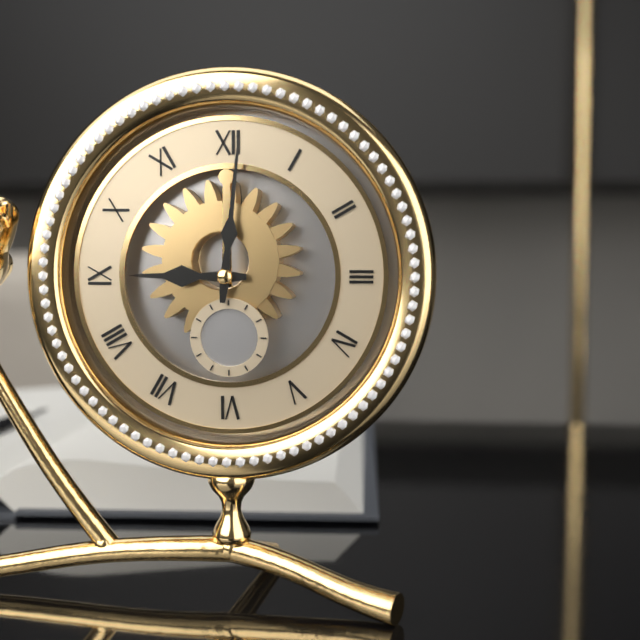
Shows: 9h01
